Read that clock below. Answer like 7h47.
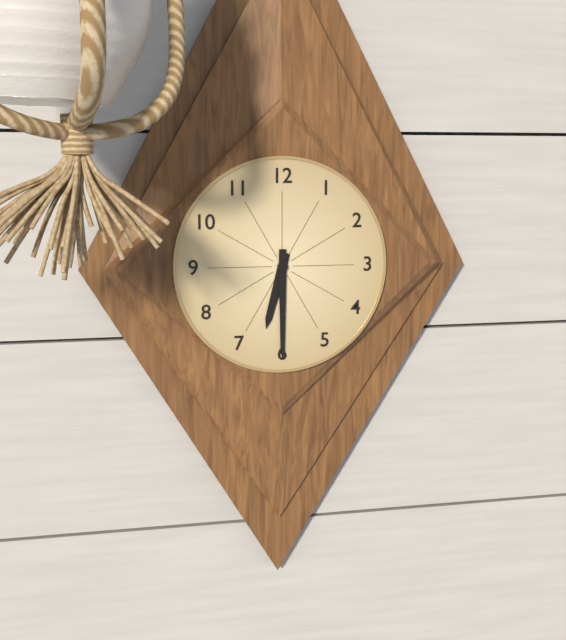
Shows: 6h30
